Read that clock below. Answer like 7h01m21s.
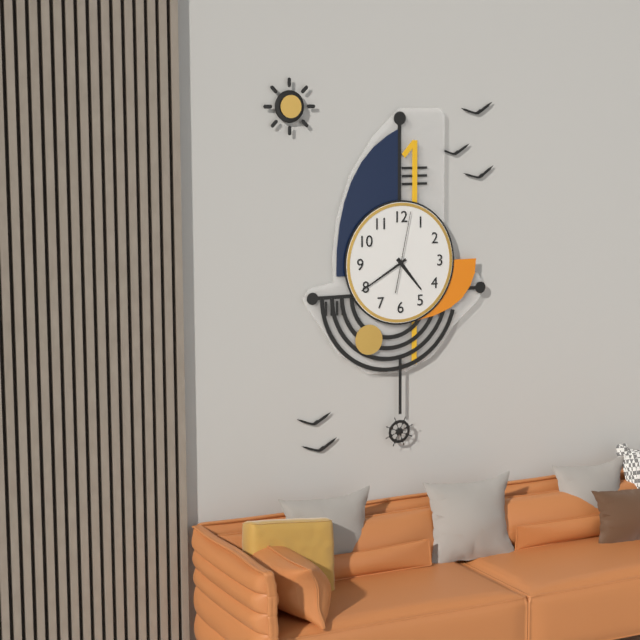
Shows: 4h40m02s
